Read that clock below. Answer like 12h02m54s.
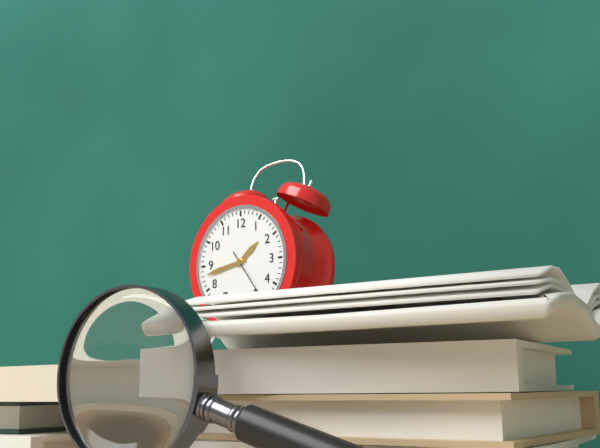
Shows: 1h43m24s
